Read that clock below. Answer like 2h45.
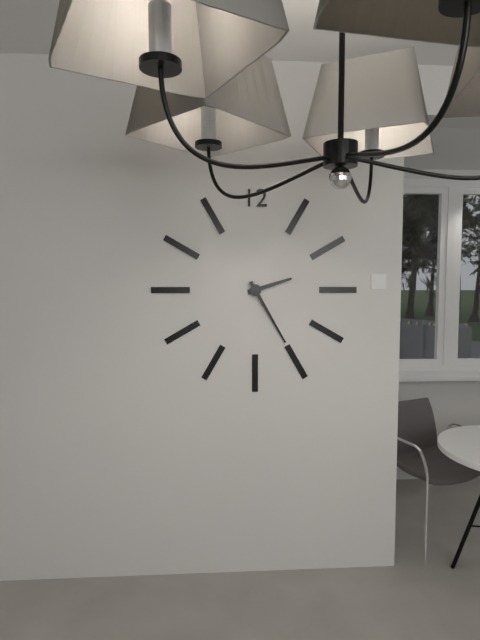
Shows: 2h25
